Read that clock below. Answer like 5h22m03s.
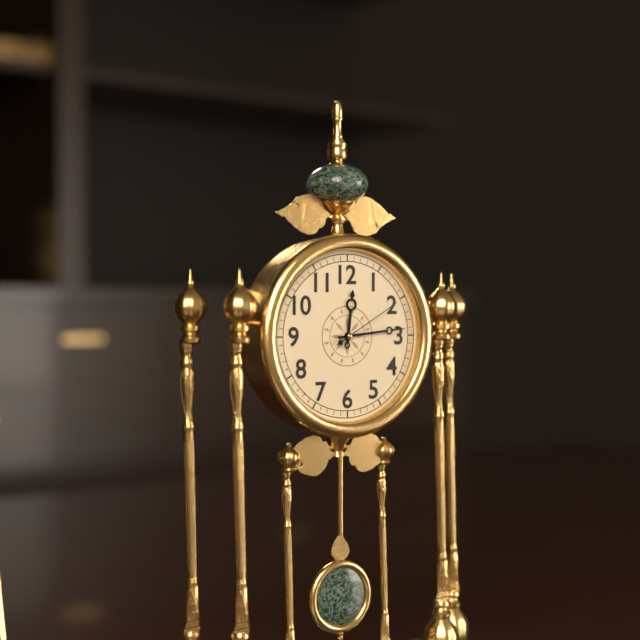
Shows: 12h14m10s
